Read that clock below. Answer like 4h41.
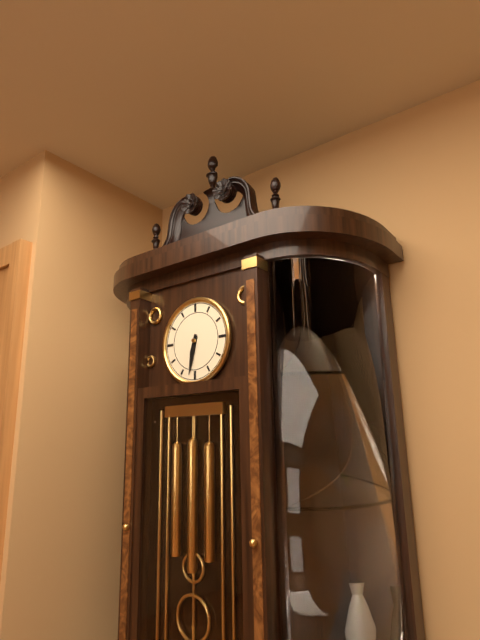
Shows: 6h32
